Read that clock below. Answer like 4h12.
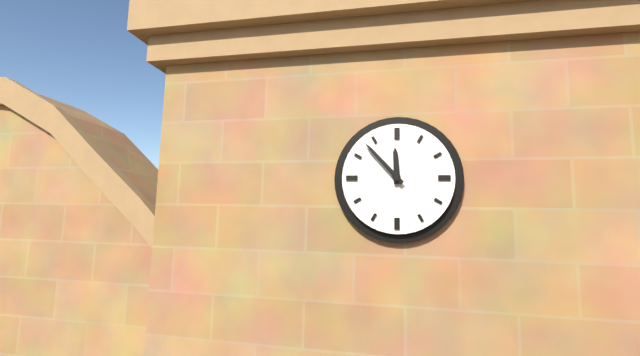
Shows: 11h53
